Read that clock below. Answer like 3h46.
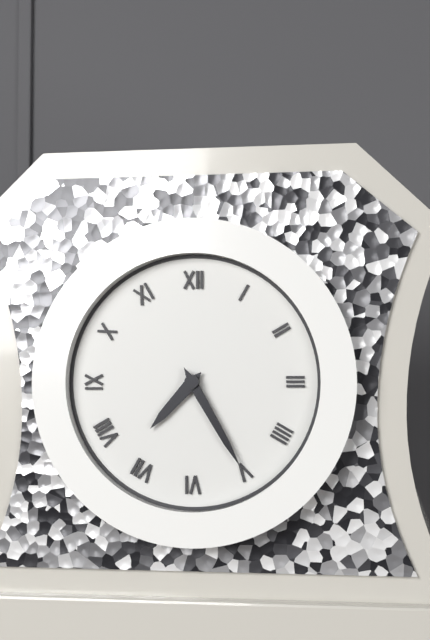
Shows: 7h25
